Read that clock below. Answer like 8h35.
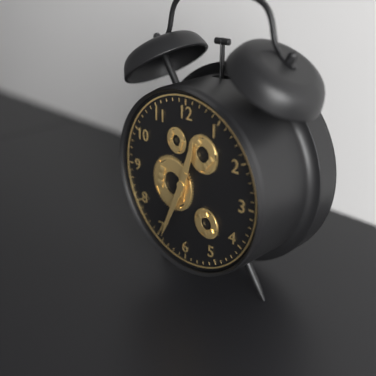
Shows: 12h34
